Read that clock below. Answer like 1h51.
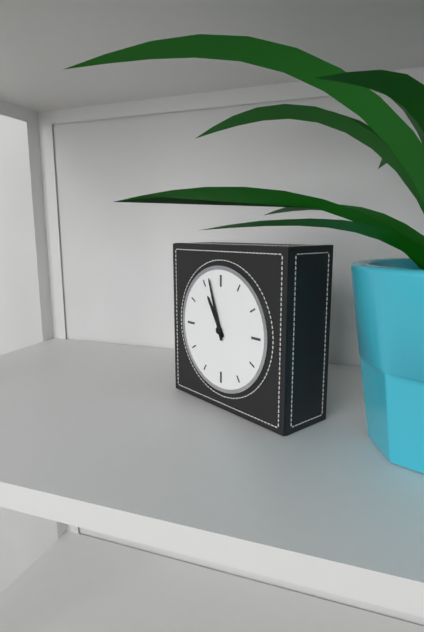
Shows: 10h57
